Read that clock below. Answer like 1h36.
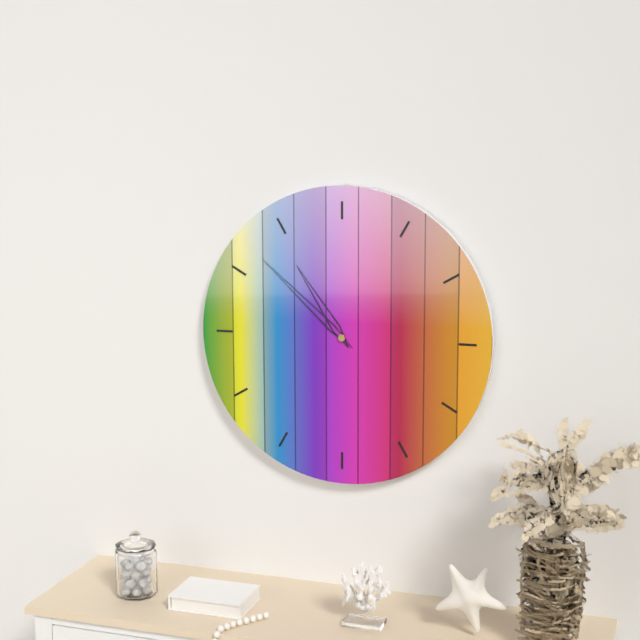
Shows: 10h52
